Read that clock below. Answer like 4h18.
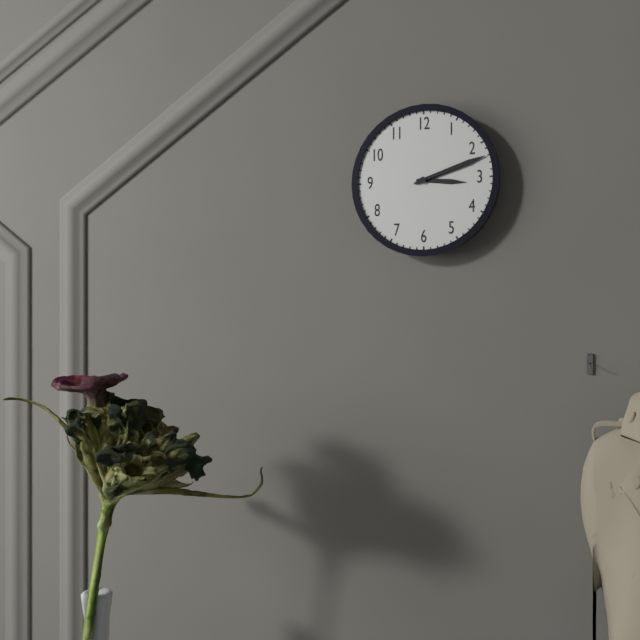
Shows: 3h12
